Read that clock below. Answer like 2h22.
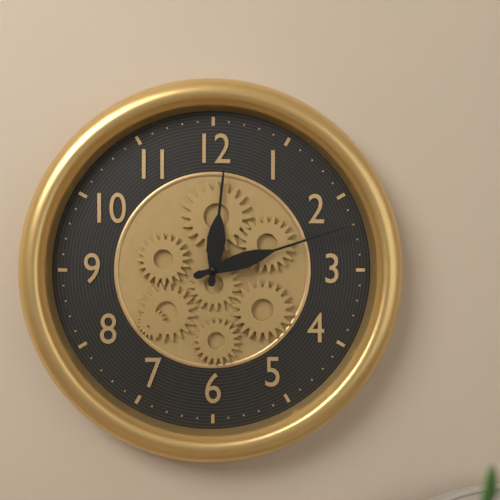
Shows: 12h12
